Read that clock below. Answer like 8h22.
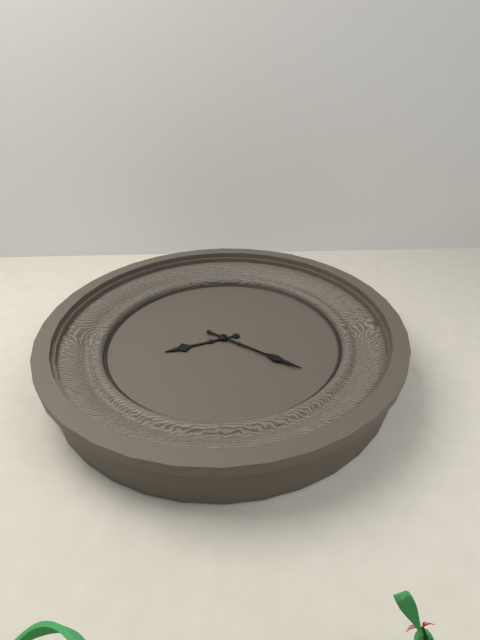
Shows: 8h21
